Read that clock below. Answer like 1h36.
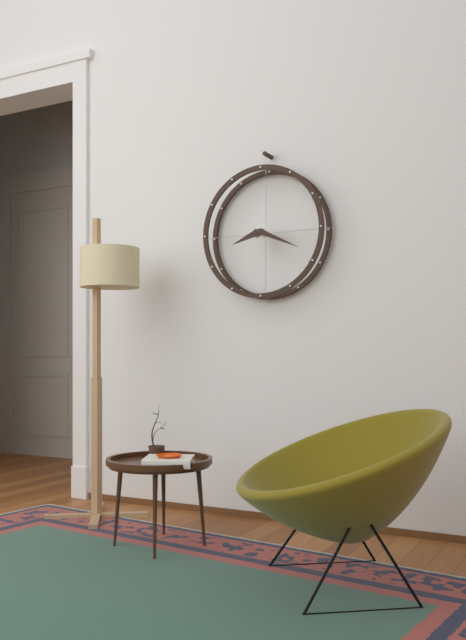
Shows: 8h19
